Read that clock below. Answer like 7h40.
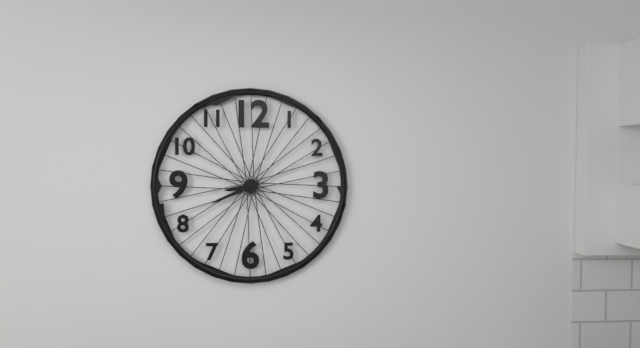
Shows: 8h41
